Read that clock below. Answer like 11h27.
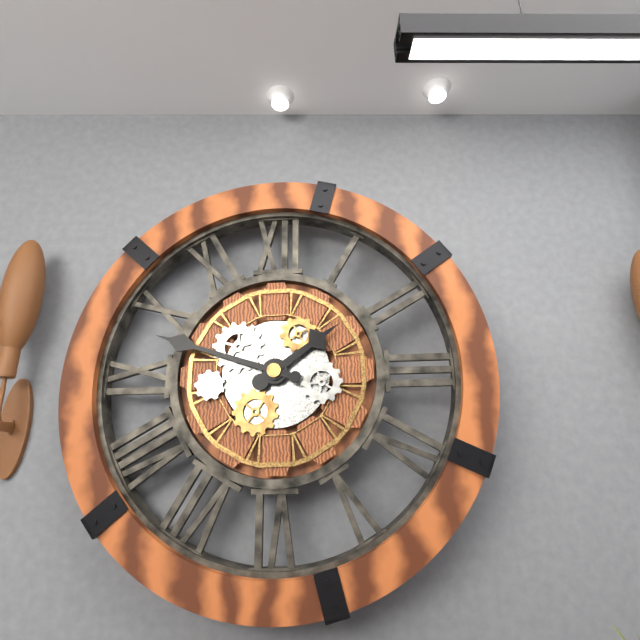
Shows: 1h48
